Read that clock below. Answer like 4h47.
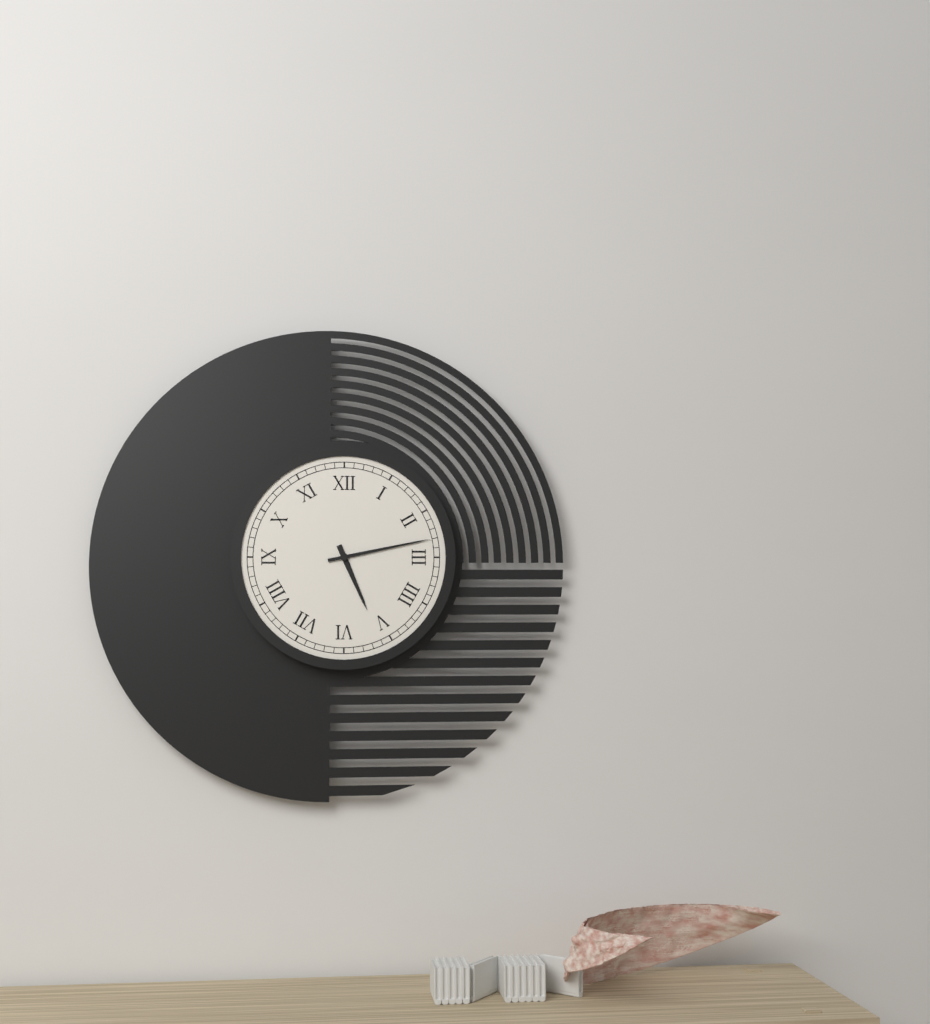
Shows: 5h13
